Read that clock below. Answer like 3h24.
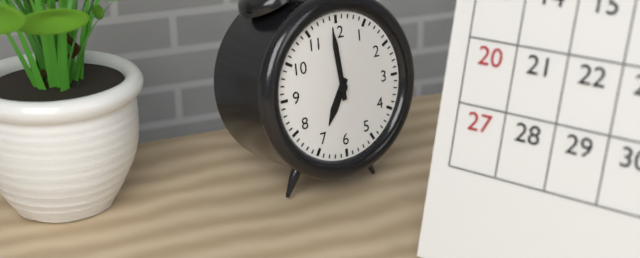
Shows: 6h59
